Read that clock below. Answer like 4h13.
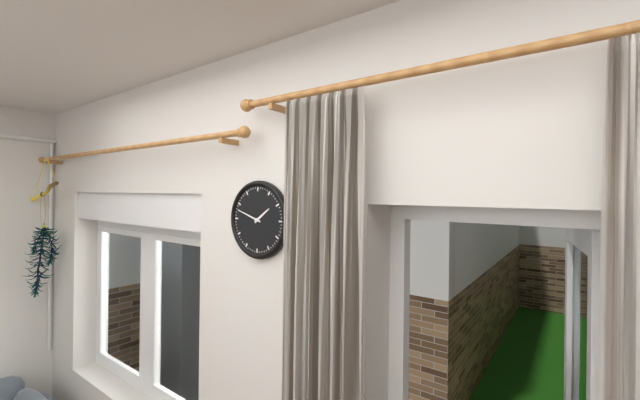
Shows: 1h48
